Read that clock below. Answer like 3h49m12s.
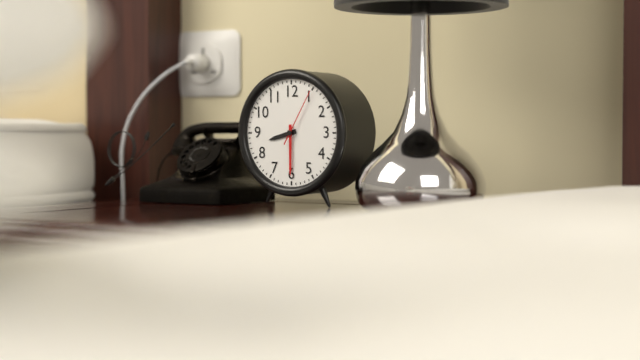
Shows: 8h30m05s
